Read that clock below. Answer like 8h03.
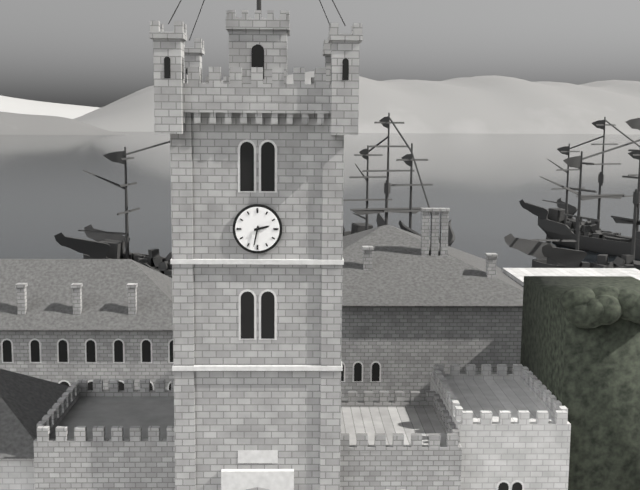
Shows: 2h32
